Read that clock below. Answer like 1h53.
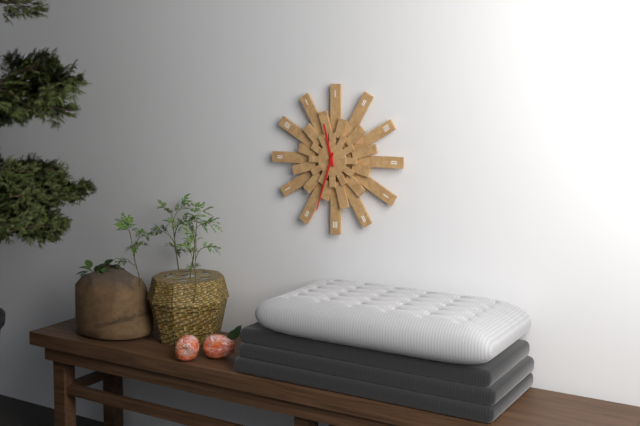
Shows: 11h33
